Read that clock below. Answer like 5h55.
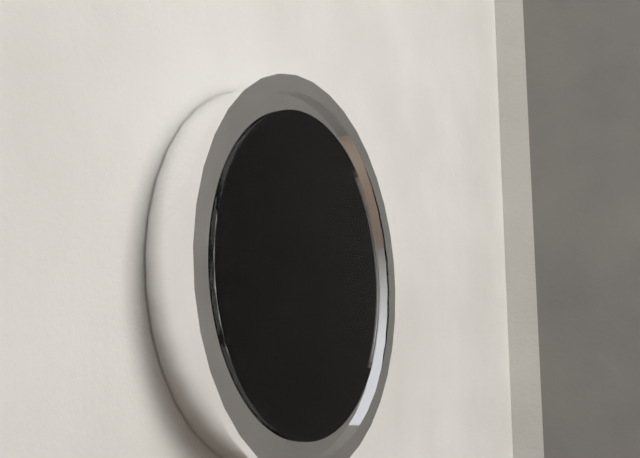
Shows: 1h43
